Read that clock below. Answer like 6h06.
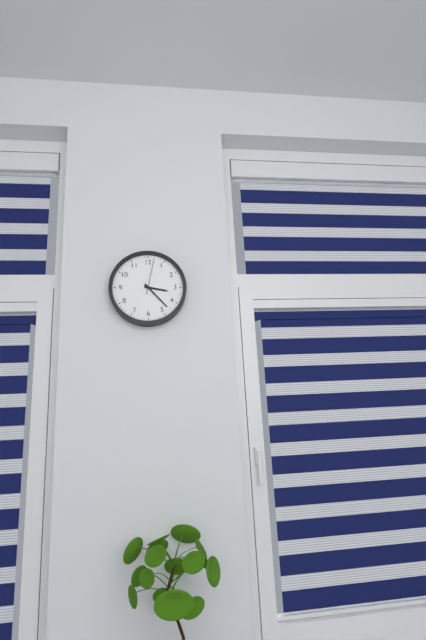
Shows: 3h23
